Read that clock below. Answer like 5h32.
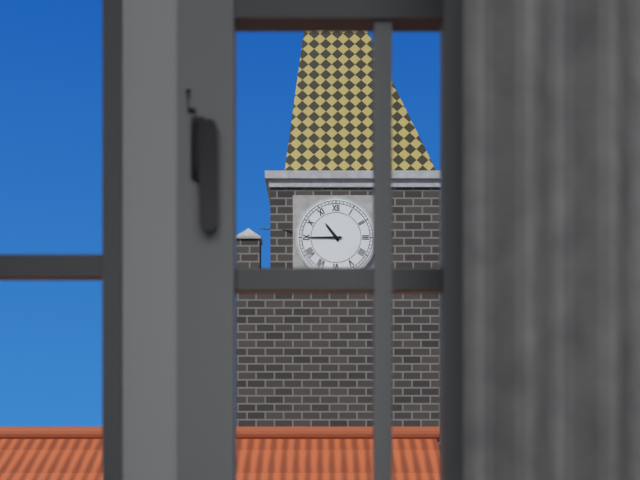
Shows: 10h45
